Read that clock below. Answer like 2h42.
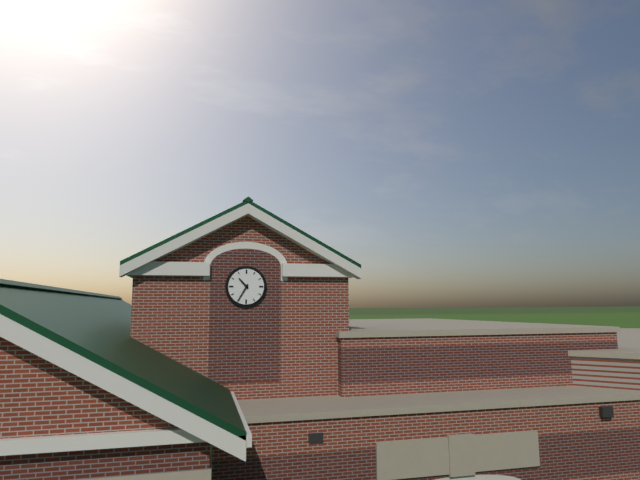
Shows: 10h35
